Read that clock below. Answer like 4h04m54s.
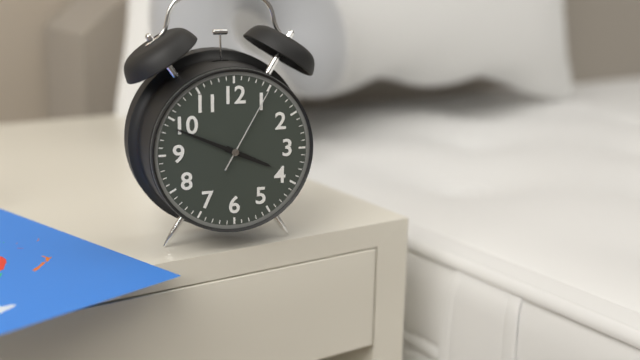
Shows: 3h49m05s
